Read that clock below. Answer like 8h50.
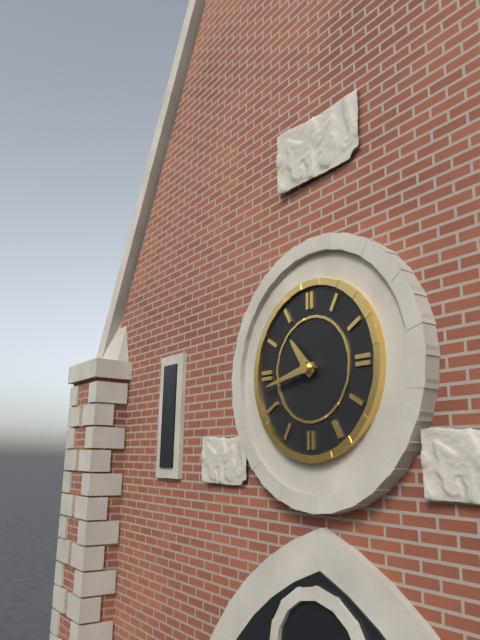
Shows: 10h43
